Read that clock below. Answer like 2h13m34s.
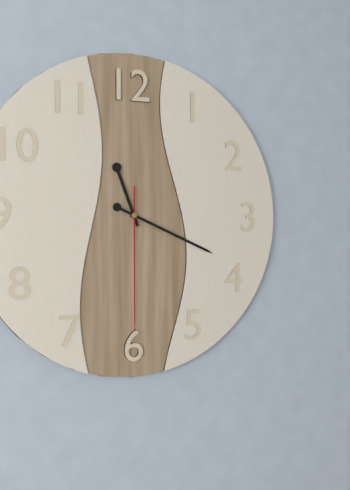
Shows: 11h19m30s
